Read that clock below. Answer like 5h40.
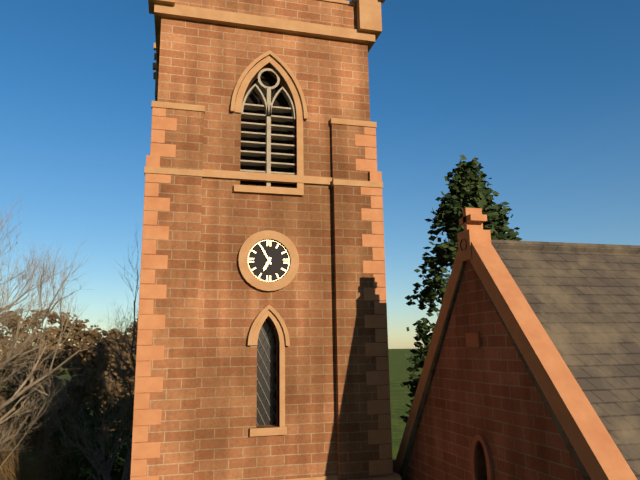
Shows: 6h55
